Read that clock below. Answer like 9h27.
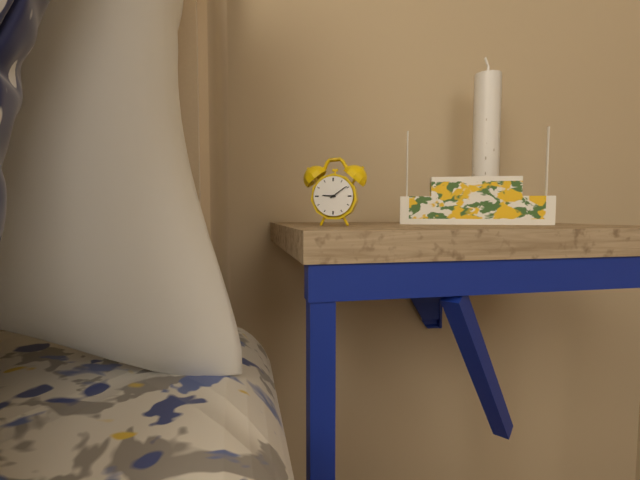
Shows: 9h09
